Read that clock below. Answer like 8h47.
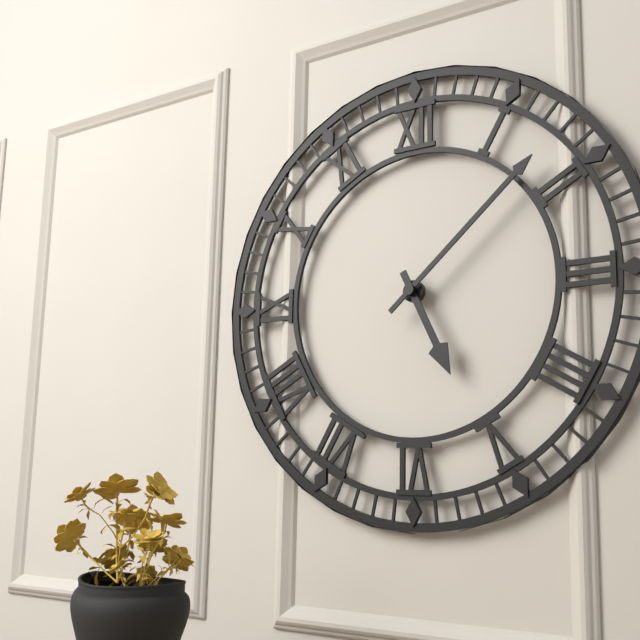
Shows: 5h08
